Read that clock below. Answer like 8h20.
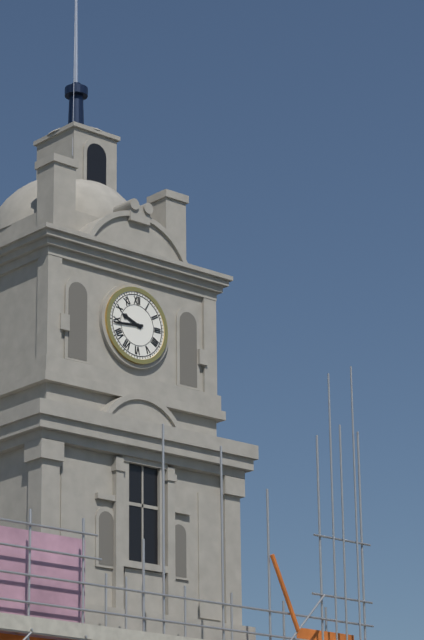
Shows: 9h44
